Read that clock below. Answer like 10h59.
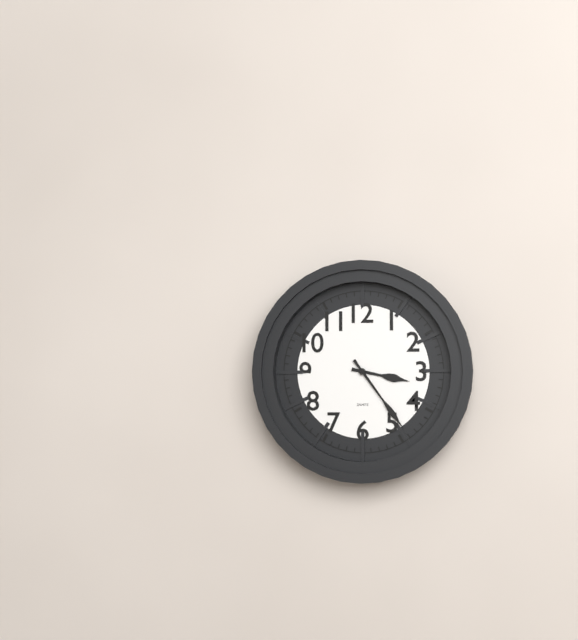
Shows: 3h24
